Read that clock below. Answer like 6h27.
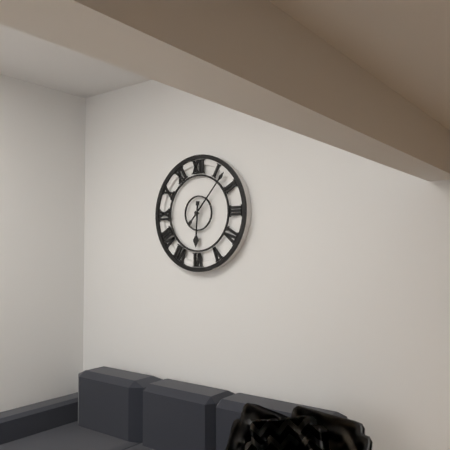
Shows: 6h07
